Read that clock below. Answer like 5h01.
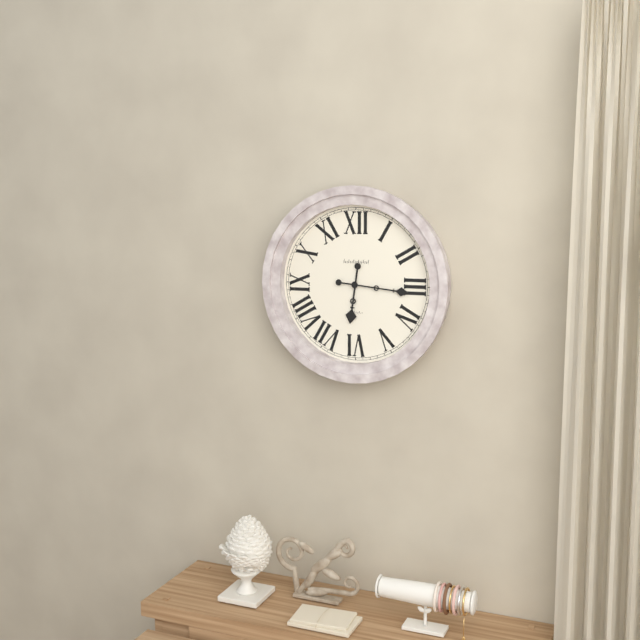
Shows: 6h16
